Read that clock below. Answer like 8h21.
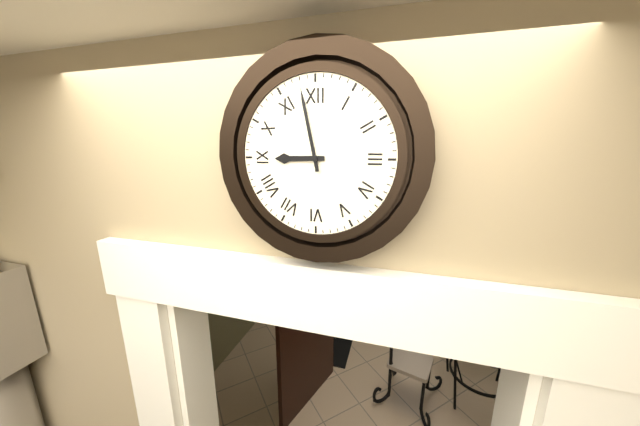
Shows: 8h58
